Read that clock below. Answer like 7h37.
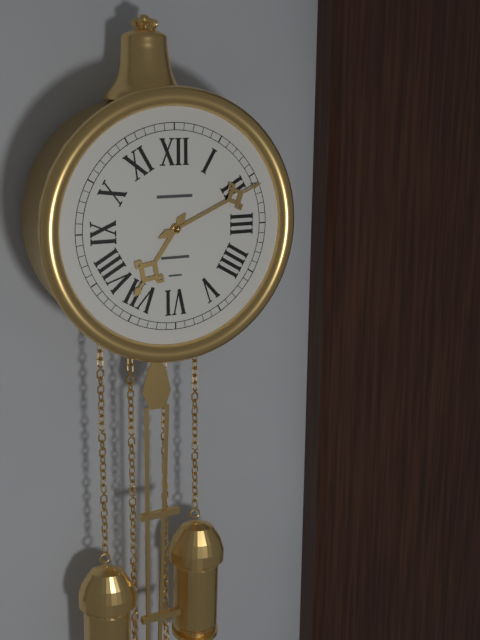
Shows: 7h11
